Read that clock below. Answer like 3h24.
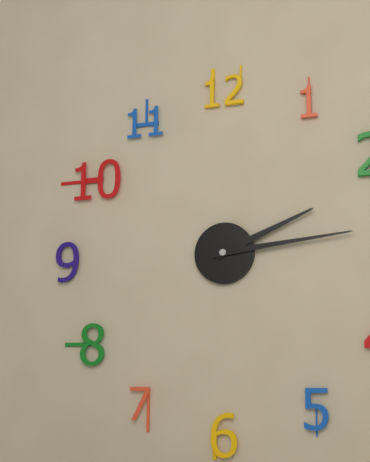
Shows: 2h14
